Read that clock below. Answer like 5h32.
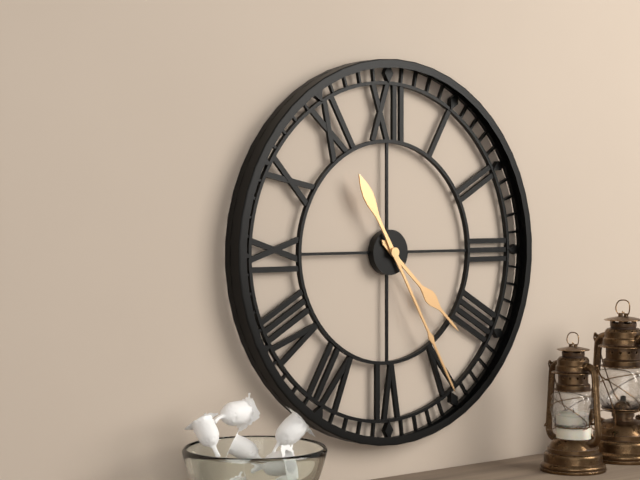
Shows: 4h25
